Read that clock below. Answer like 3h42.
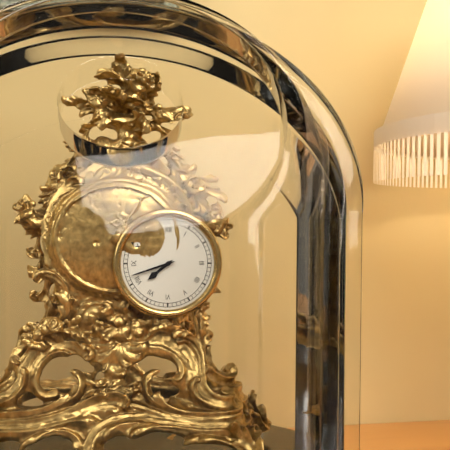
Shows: 7h42
